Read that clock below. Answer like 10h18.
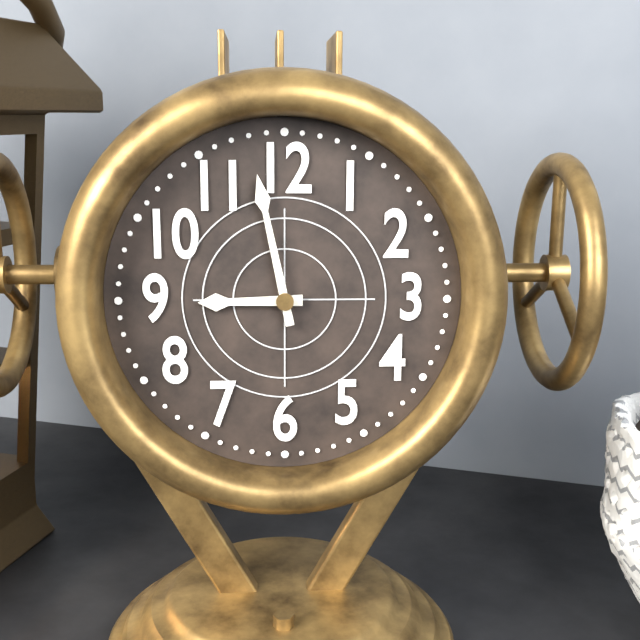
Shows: 8h58
